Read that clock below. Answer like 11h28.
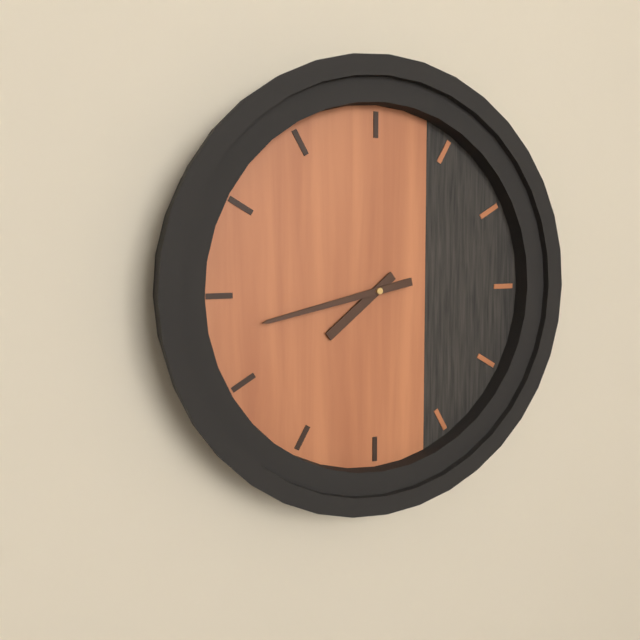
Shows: 7h43
